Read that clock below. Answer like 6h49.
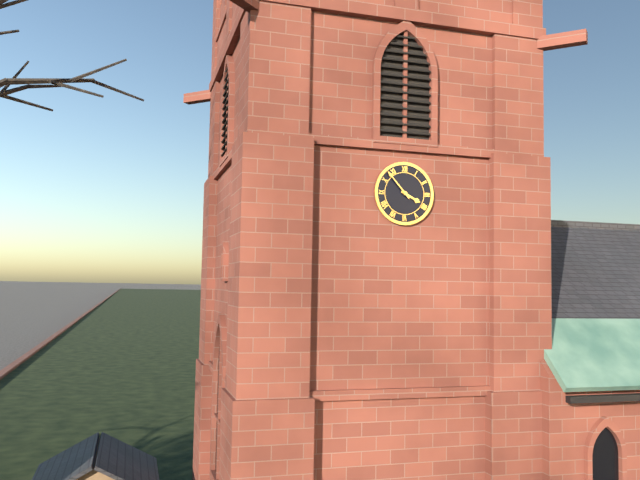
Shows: 3h53
